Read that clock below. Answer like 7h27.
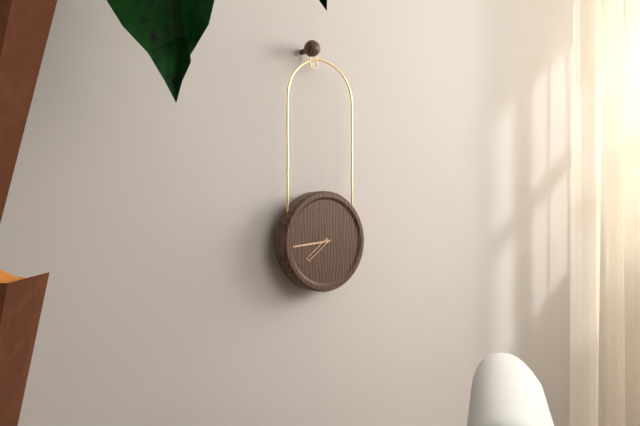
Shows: 7h44
